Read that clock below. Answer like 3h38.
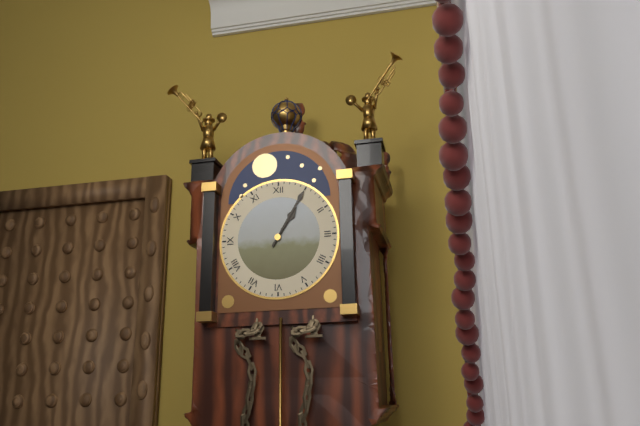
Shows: 1h05
